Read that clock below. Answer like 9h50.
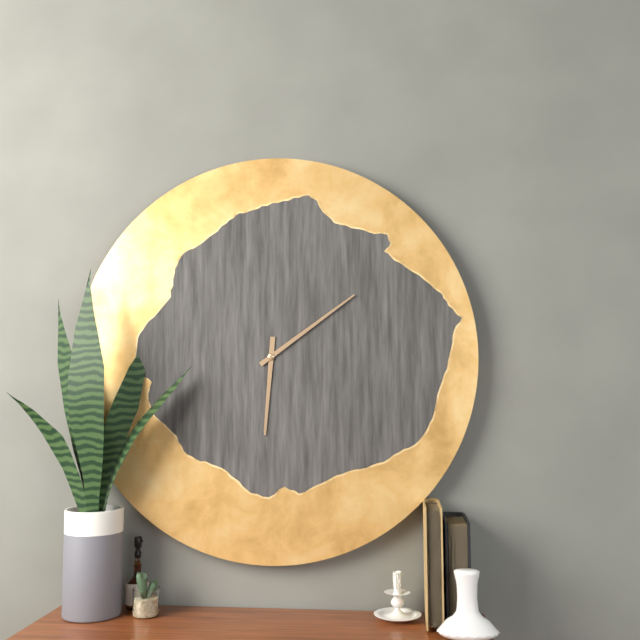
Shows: 6h09
